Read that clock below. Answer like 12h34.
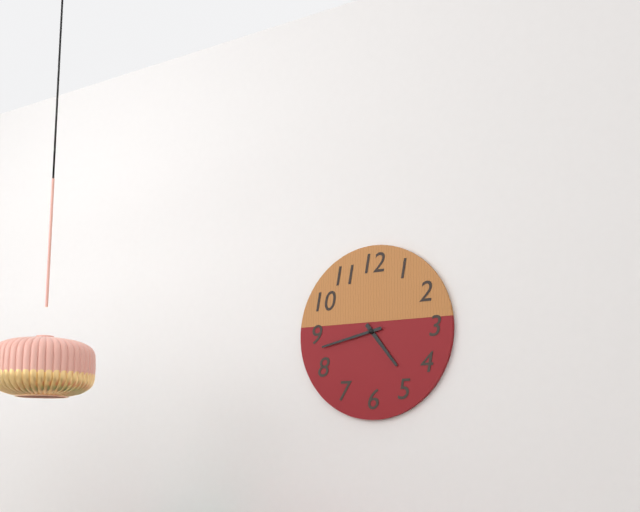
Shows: 4h43
